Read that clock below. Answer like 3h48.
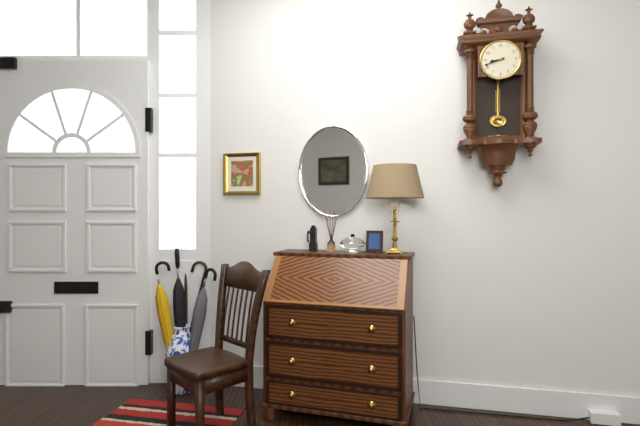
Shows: 8h42
